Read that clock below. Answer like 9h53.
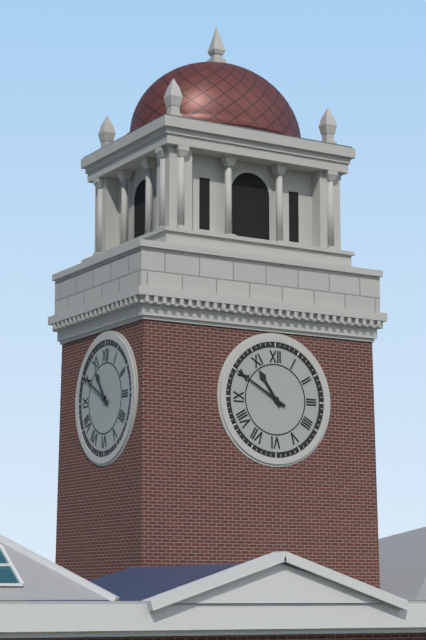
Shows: 10h50
